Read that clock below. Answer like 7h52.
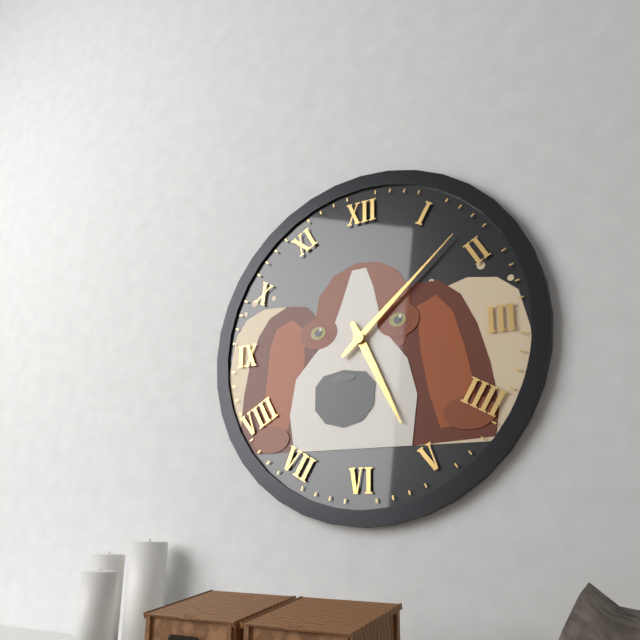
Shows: 5h08
